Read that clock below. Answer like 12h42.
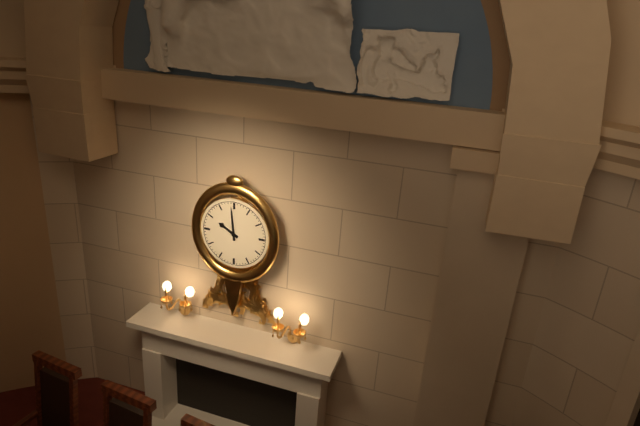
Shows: 9h59
